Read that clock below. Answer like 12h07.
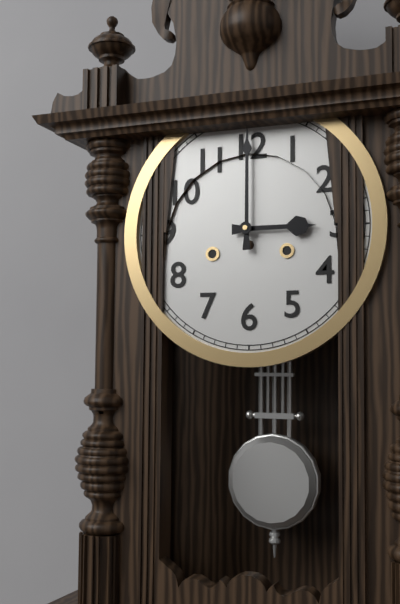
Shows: 3h00
